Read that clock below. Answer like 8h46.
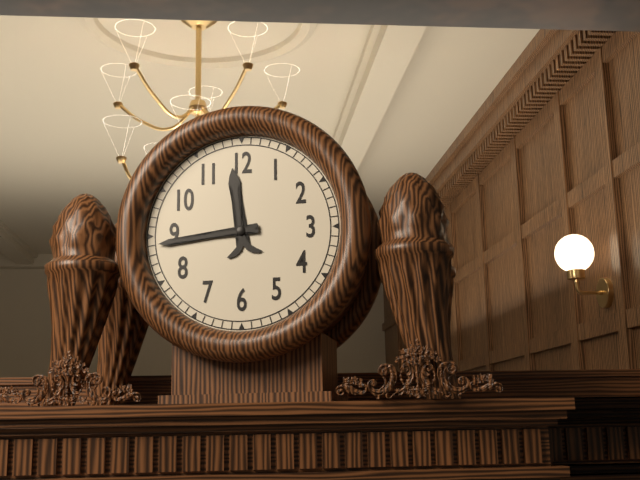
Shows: 11h44
